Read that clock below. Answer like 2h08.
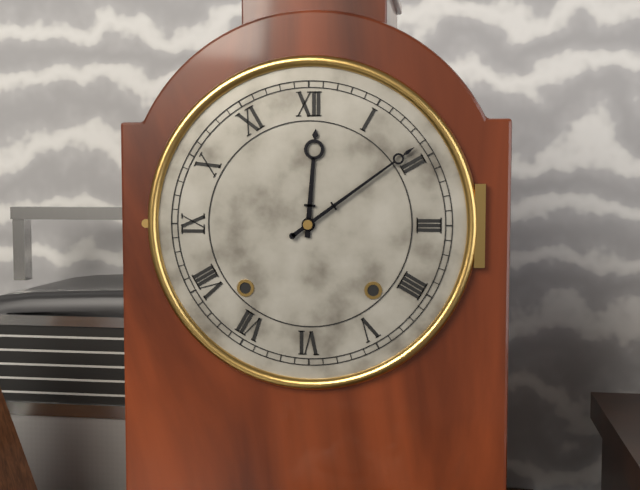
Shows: 12h09
